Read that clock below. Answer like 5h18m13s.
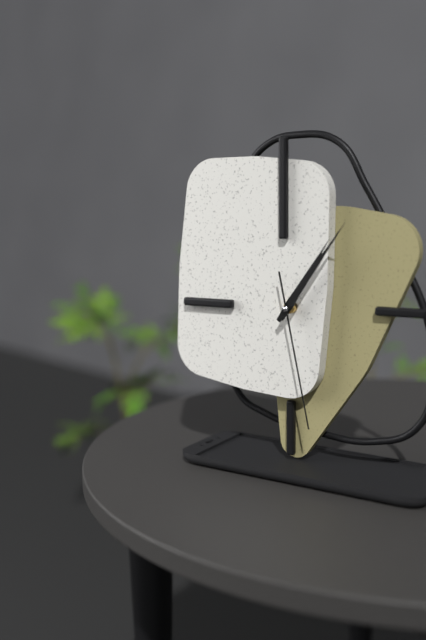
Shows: 1h06m28s
